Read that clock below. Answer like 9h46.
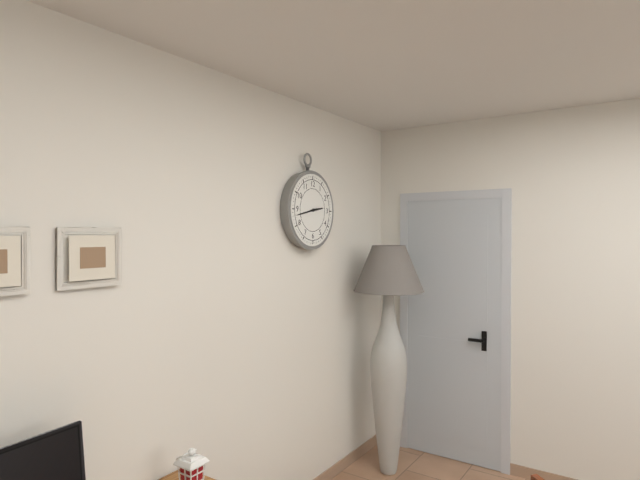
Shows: 2h43
